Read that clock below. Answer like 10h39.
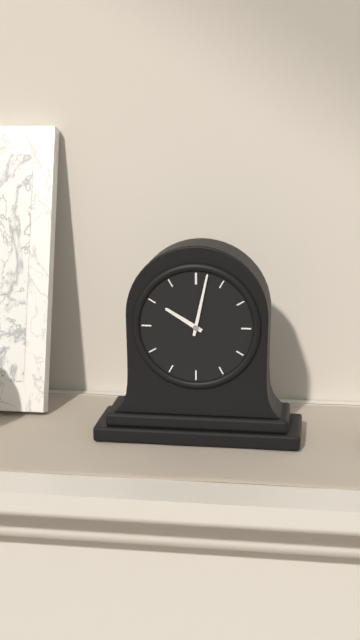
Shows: 10h02
